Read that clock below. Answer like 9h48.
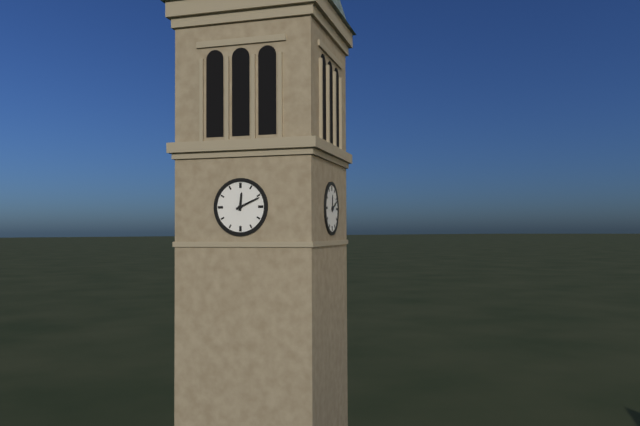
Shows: 12h11
